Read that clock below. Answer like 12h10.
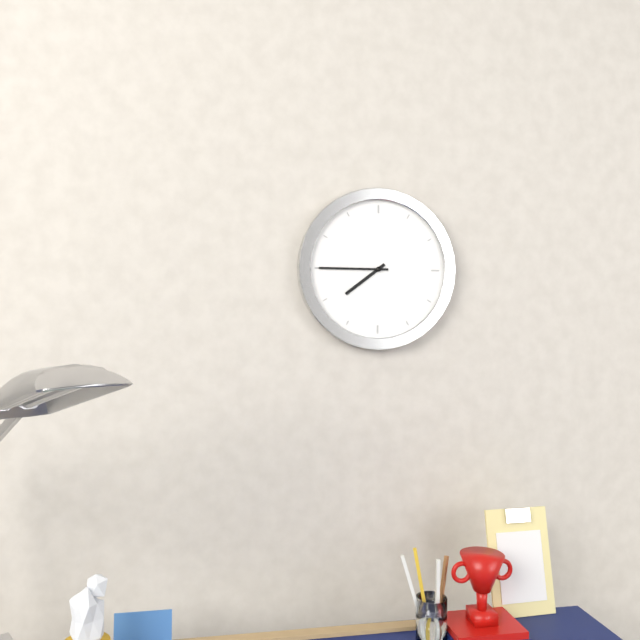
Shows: 7h45
